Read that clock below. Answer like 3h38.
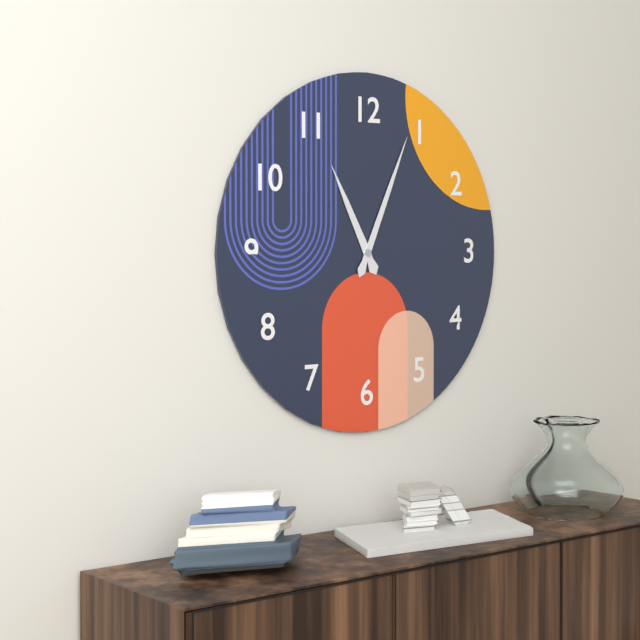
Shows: 11h04
